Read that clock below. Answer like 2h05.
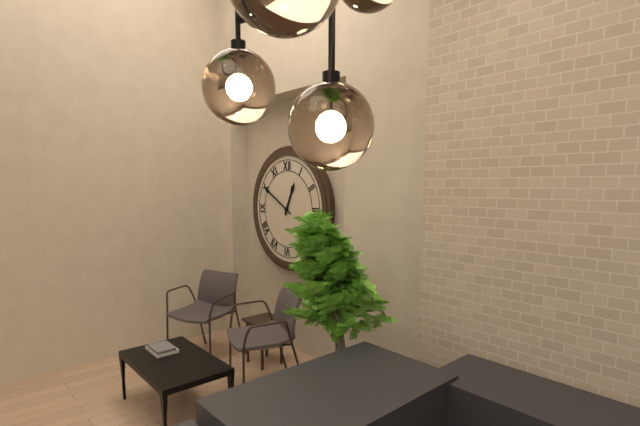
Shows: 12h50
